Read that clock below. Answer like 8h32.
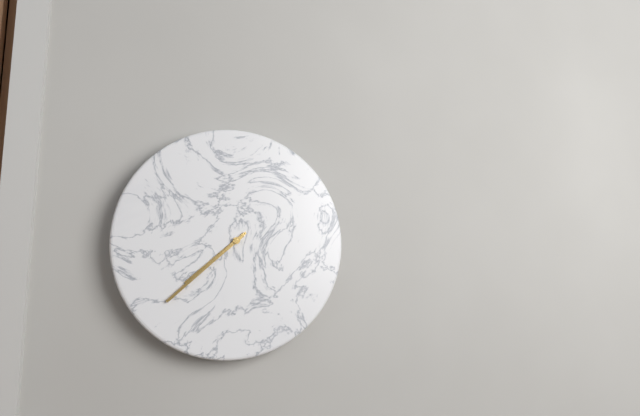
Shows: 7h38
